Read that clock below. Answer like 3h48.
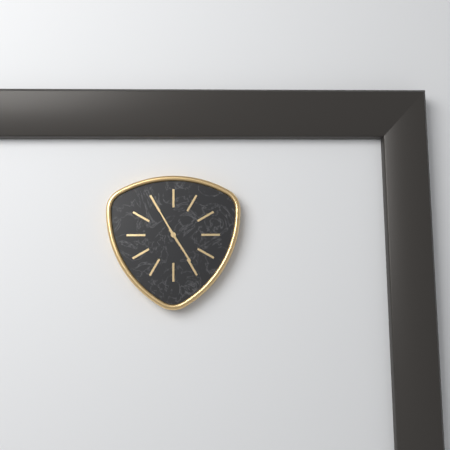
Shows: 4h55
